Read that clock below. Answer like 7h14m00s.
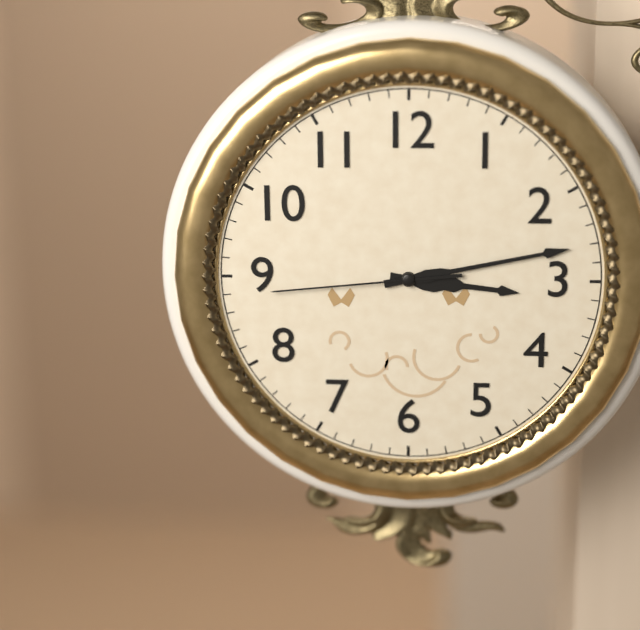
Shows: 3h13m44s
